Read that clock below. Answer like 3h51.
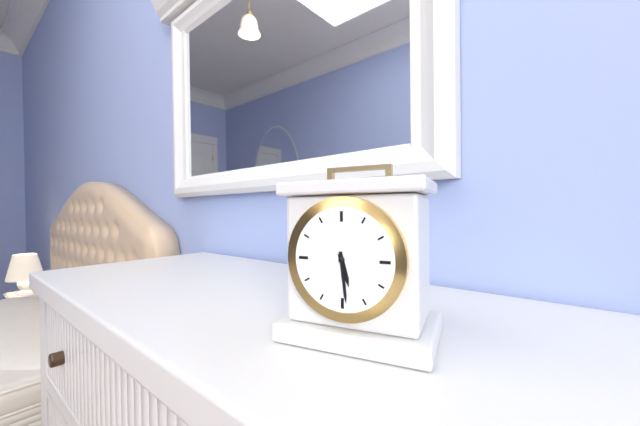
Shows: 5h29
